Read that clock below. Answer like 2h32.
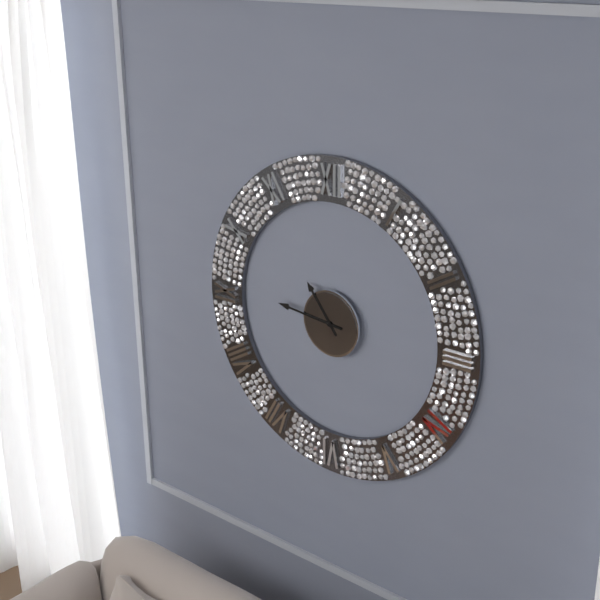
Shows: 10h46
